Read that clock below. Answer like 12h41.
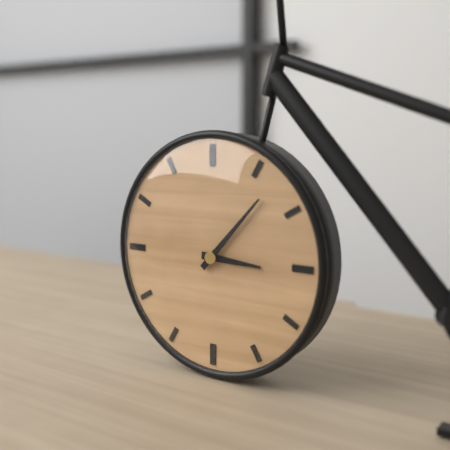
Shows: 3h07
